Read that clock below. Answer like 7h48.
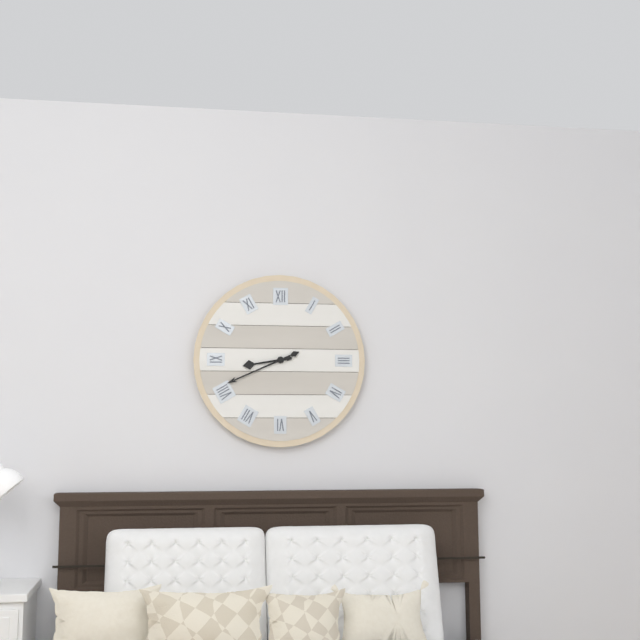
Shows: 8h41
